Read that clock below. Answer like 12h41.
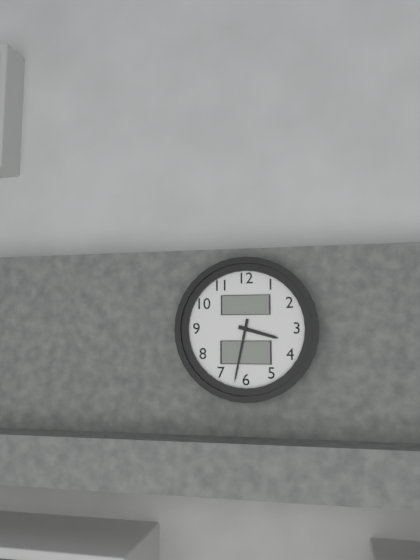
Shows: 3h32
